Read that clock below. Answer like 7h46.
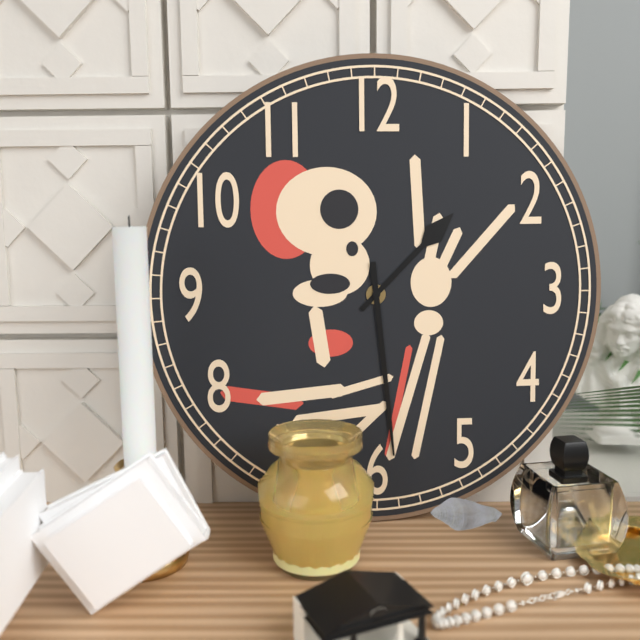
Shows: 1h29
